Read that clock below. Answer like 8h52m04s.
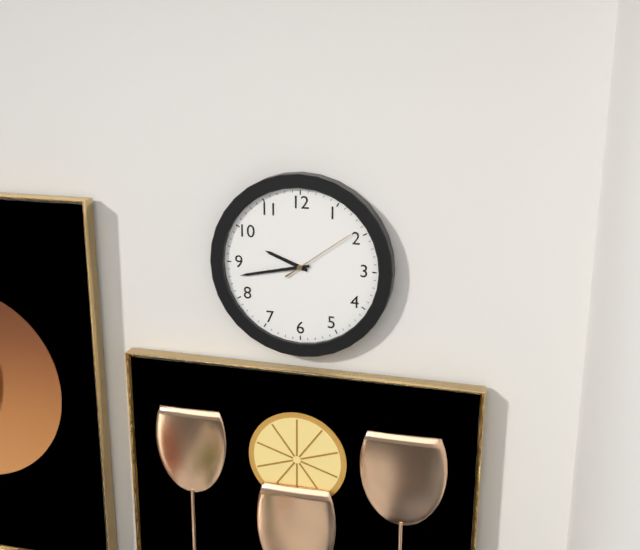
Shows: 9h43m09s
